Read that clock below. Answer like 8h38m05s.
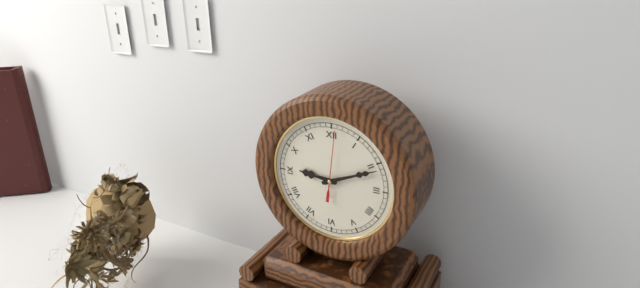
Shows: 9h11m01s
